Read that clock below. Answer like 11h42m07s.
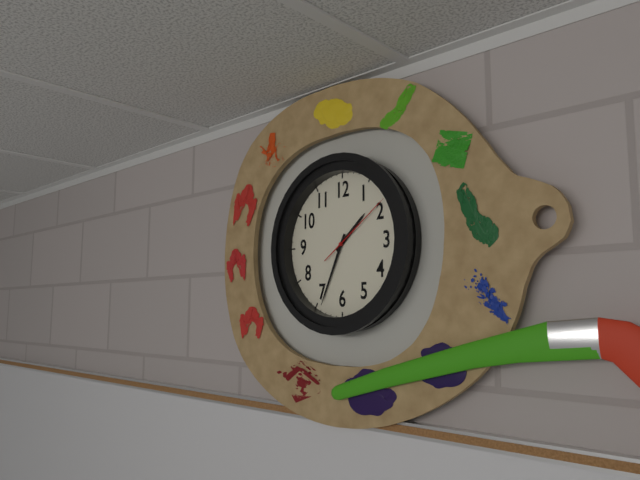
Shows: 1h34m09s
